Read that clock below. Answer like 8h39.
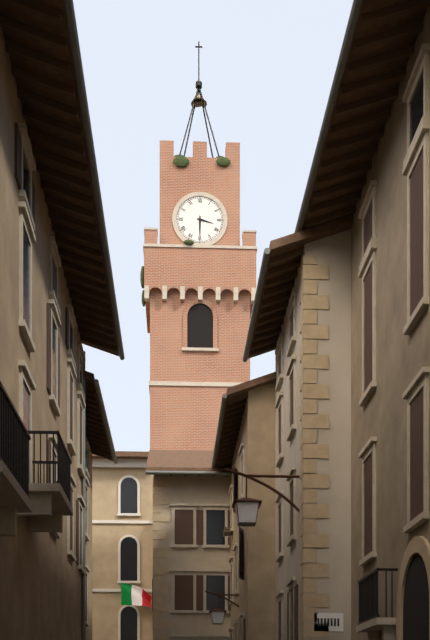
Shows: 3h30
